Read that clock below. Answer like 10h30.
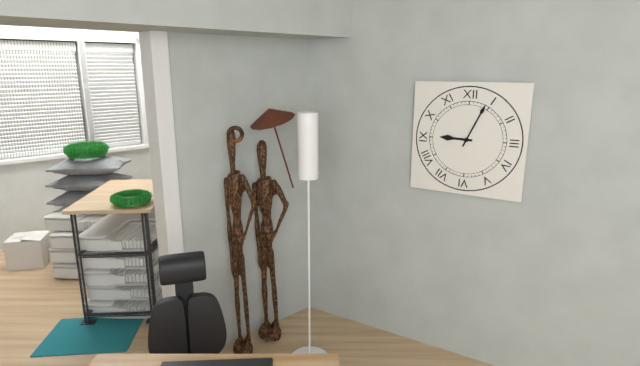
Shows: 9h04
